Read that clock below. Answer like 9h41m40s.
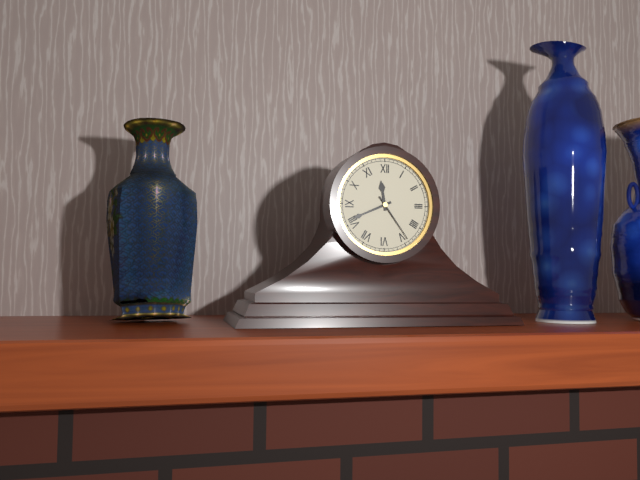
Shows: 11h41m24s
